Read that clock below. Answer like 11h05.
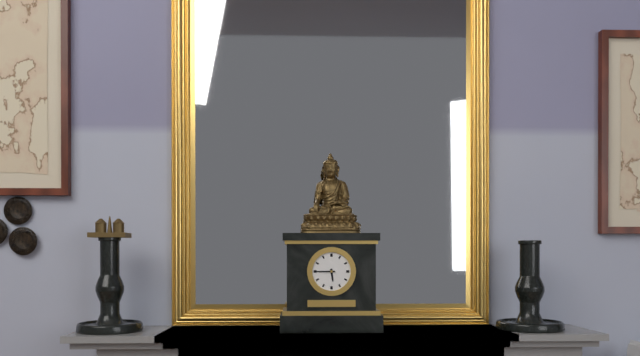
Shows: 5h45
